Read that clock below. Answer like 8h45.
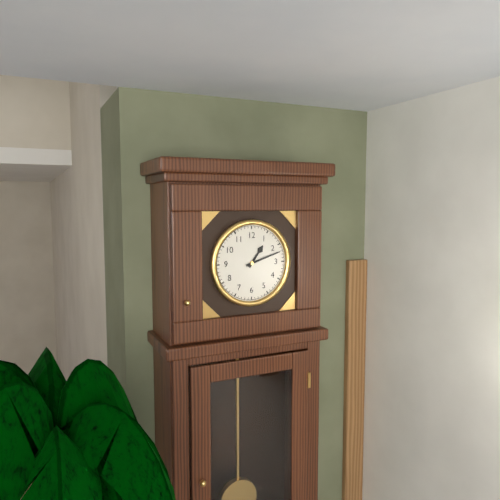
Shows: 1h12
